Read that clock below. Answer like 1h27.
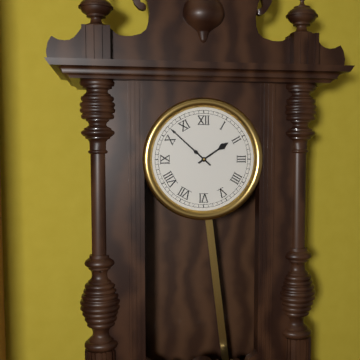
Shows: 1h52
